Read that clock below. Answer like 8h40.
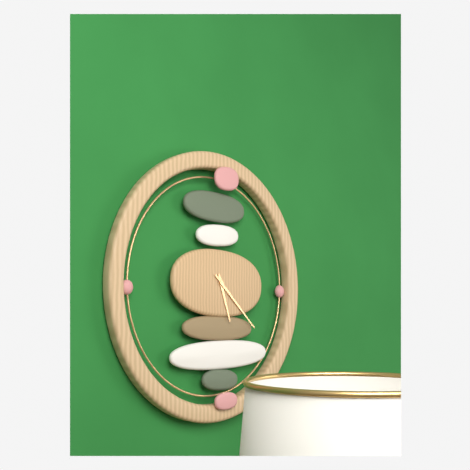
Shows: 5h22
